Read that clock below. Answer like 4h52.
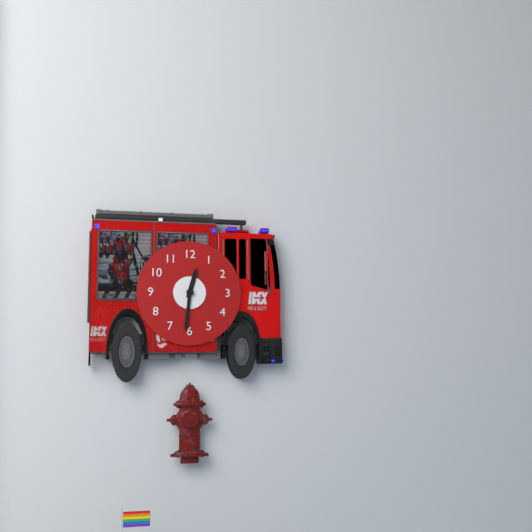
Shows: 12h31
